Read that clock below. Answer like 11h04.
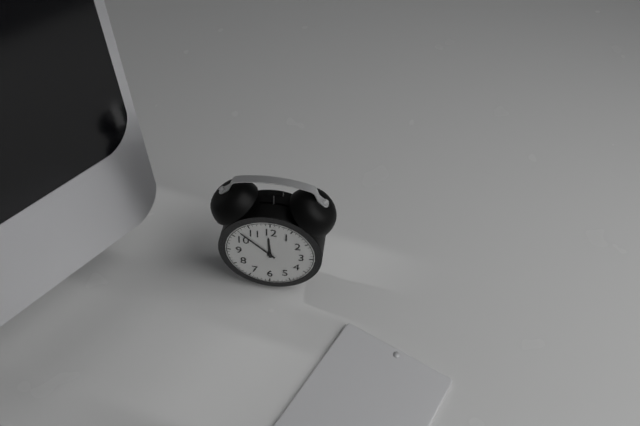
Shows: 11h52
